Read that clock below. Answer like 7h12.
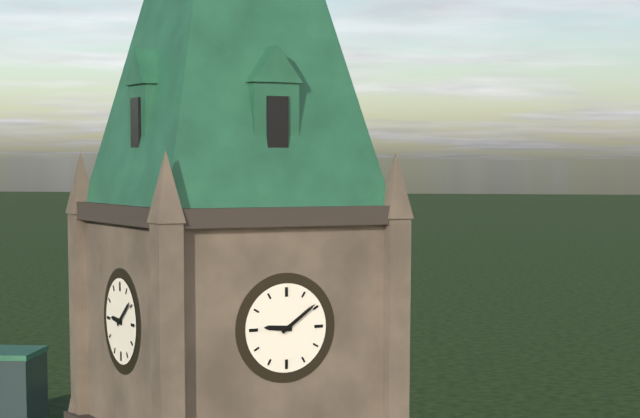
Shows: 9h09
